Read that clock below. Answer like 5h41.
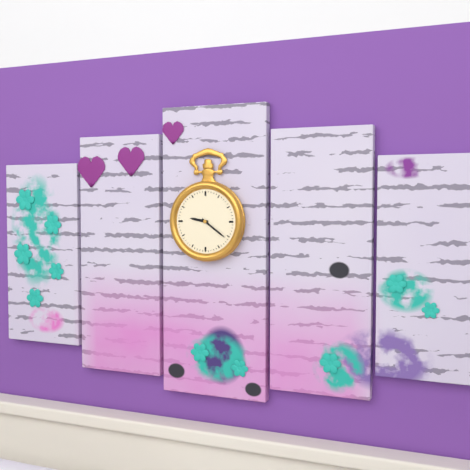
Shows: 9h21
